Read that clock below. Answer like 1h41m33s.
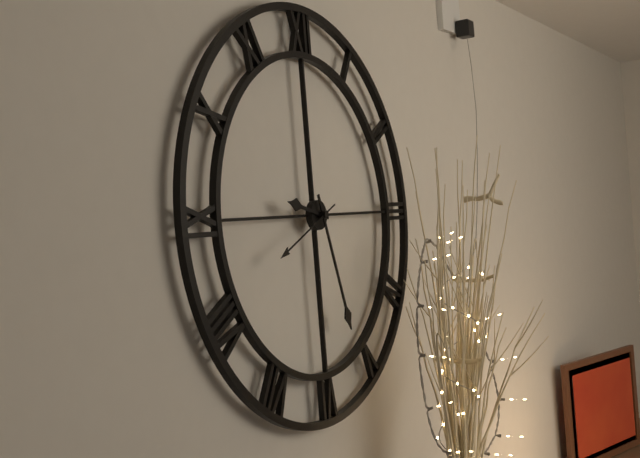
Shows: 9h27m41s
